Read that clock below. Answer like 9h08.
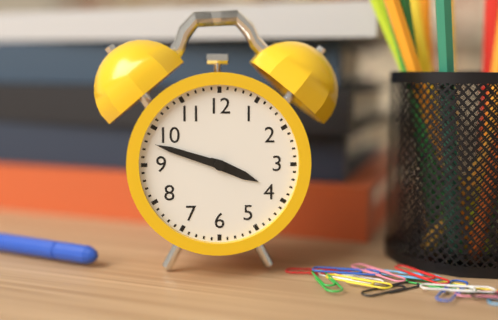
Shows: 3h48
